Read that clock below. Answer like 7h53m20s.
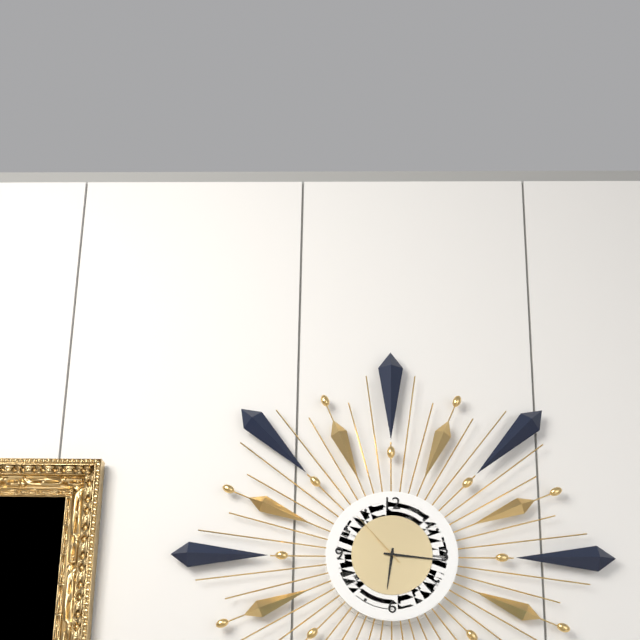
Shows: 6h16m53s
